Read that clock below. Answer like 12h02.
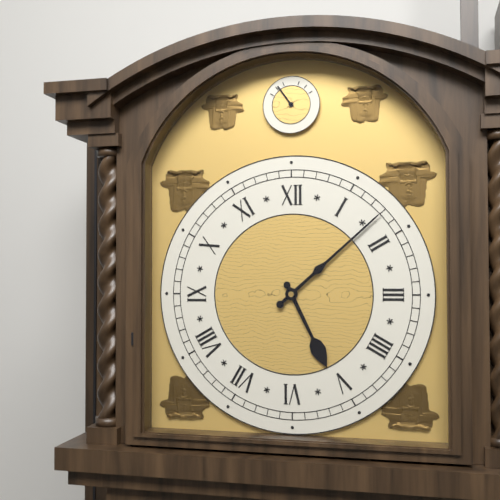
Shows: 5h08
